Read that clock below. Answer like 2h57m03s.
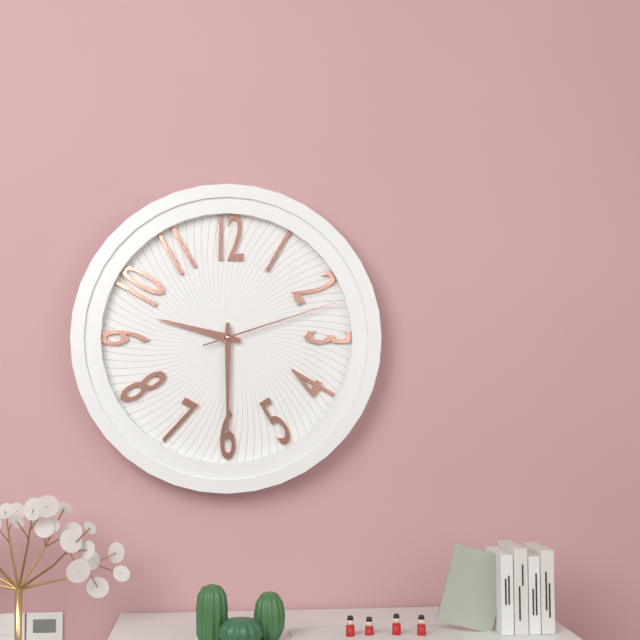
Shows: 9h30m12s
